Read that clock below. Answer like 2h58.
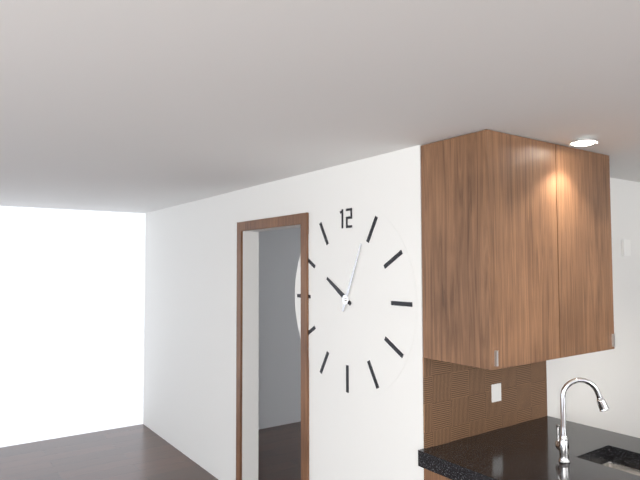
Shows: 10h04
